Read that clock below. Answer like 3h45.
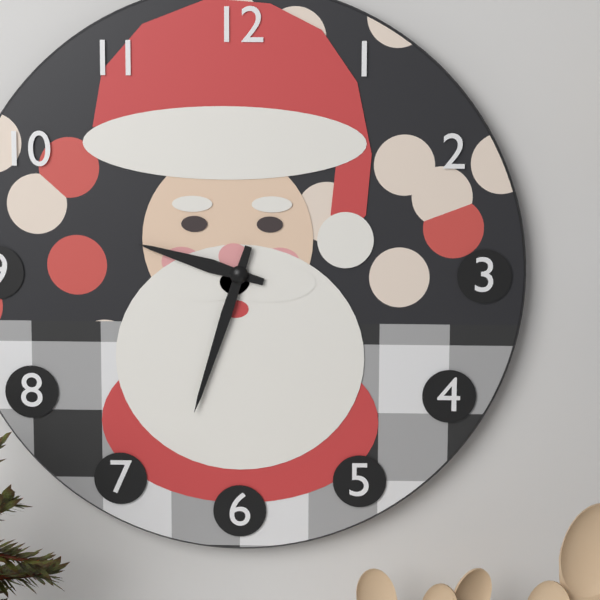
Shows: 9h33
